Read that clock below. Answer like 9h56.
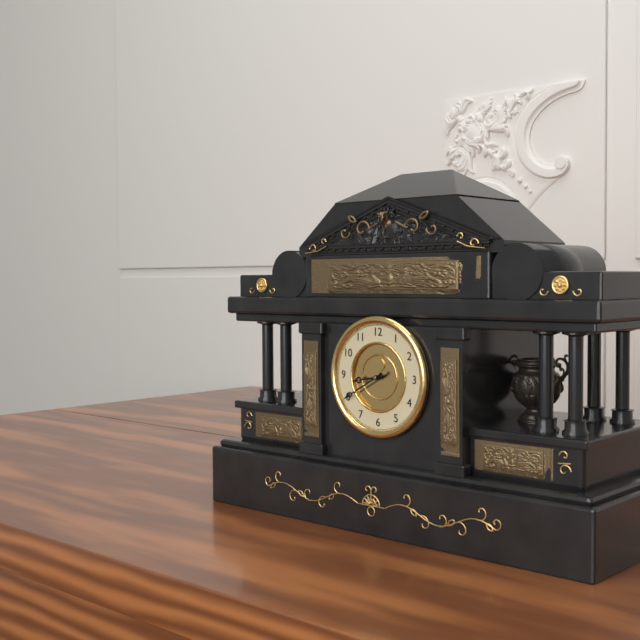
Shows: 8h40
